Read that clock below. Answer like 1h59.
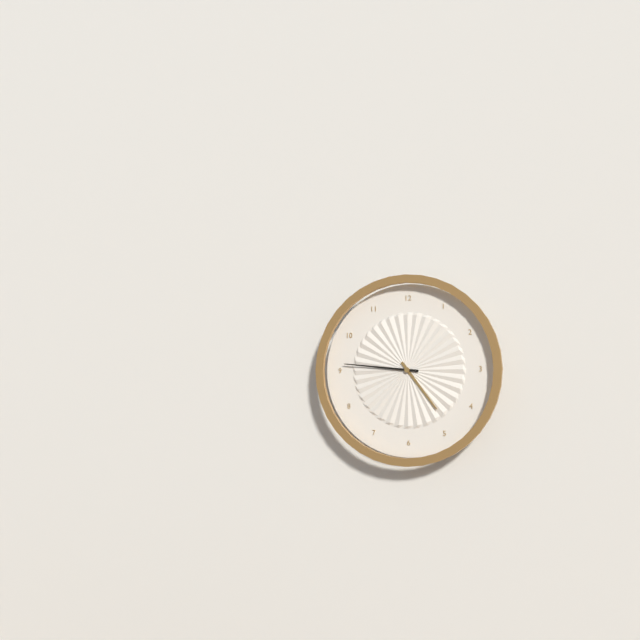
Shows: 4h46
